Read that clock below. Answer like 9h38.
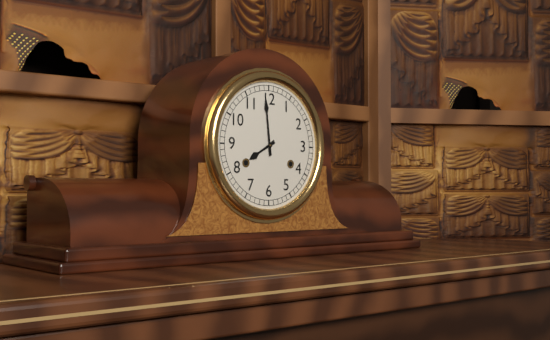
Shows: 7h59
